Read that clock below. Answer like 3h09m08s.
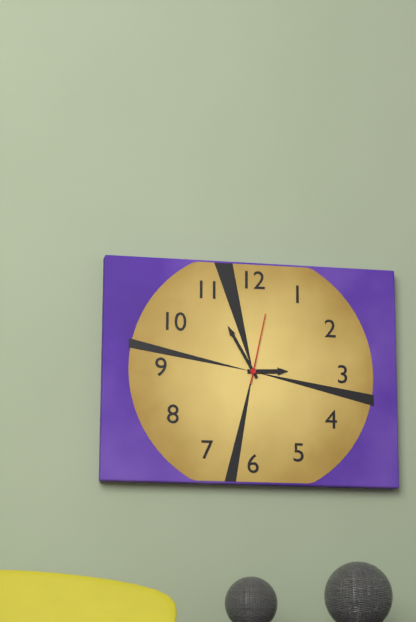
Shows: 2h55m02s
